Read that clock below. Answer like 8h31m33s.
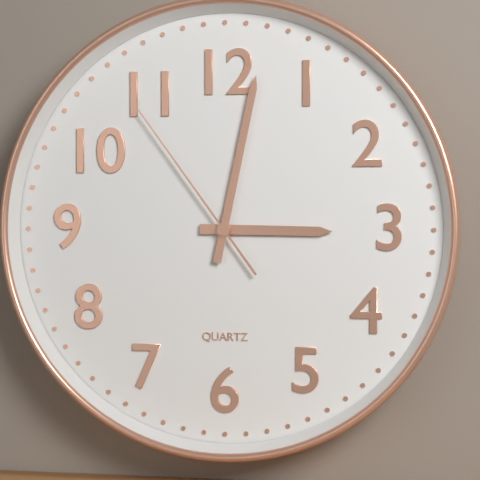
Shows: 3h02m54s
